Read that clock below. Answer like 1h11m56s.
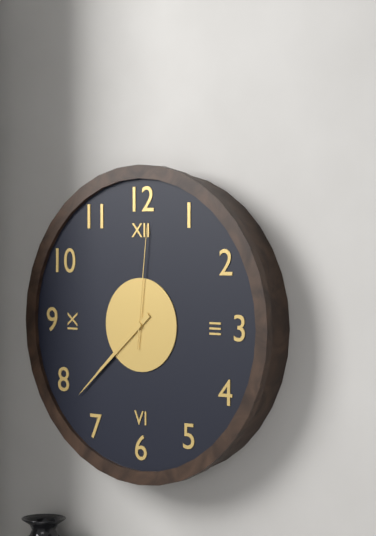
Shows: 7h38m01s
